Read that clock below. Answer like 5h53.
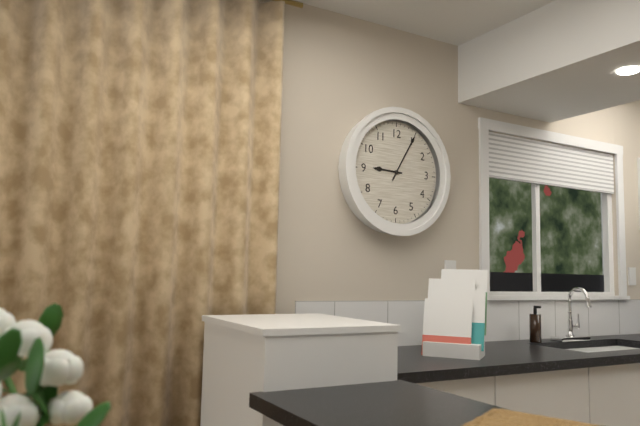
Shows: 9h05
